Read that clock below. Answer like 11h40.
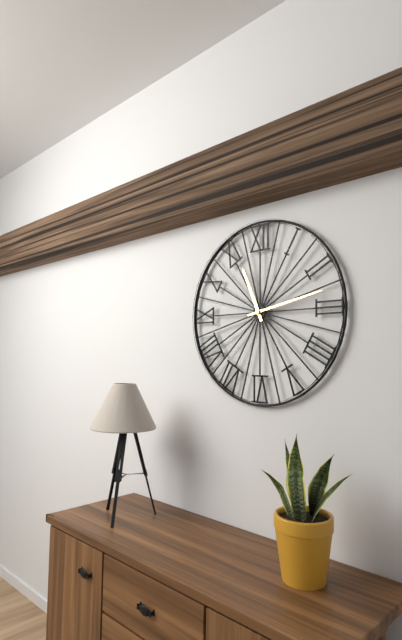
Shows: 11h13
